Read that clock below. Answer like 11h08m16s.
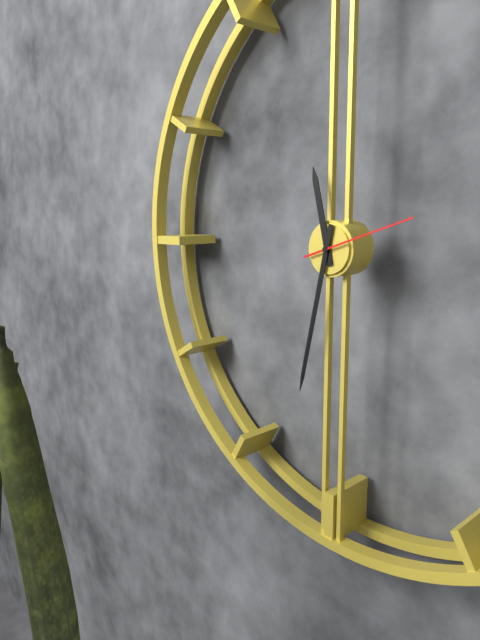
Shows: 11h32m12s
